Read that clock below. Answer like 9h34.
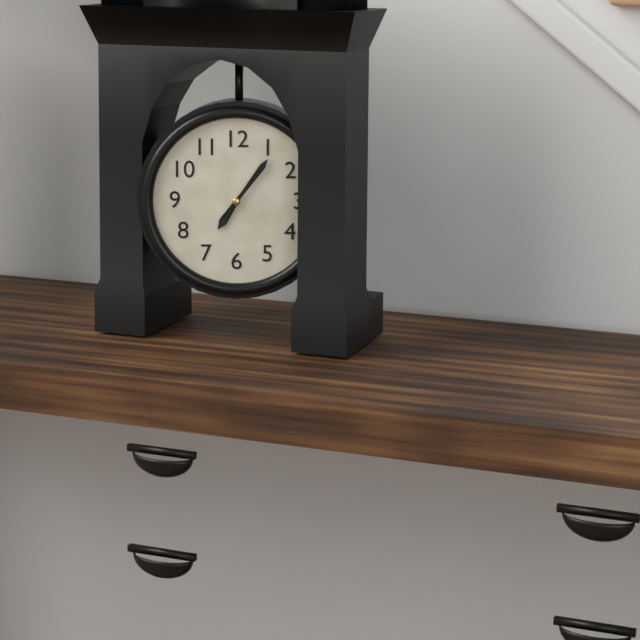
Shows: 7h06
